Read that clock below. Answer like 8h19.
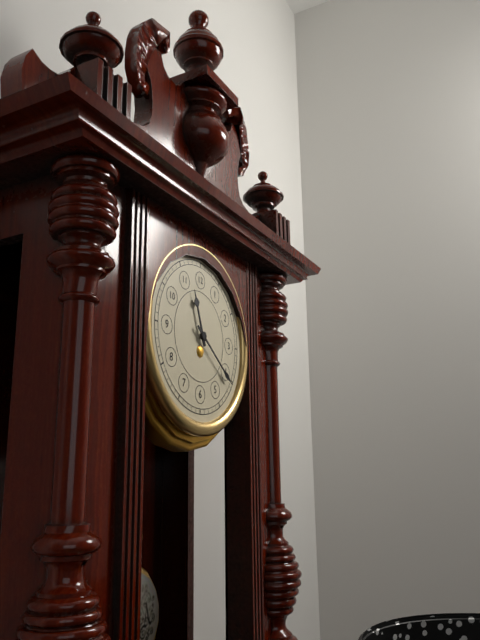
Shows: 11h21
